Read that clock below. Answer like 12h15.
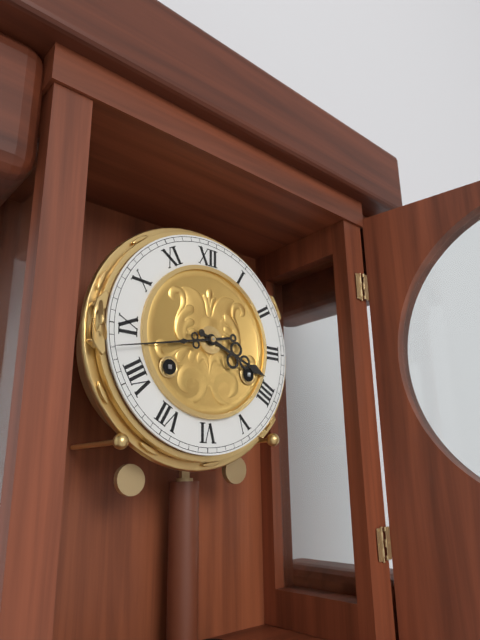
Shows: 3h43
